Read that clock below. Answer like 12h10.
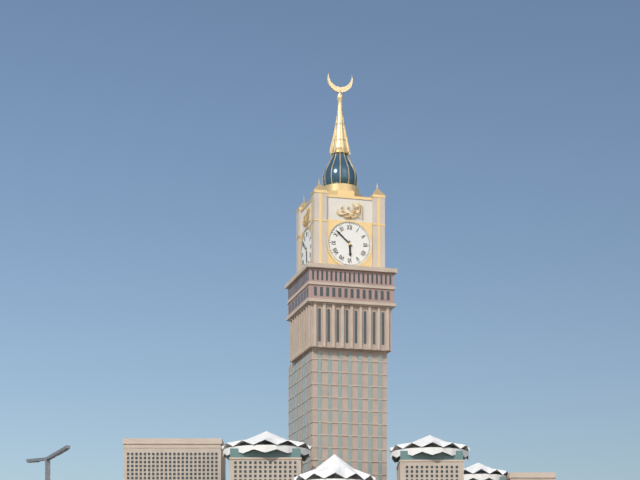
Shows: 5h52
